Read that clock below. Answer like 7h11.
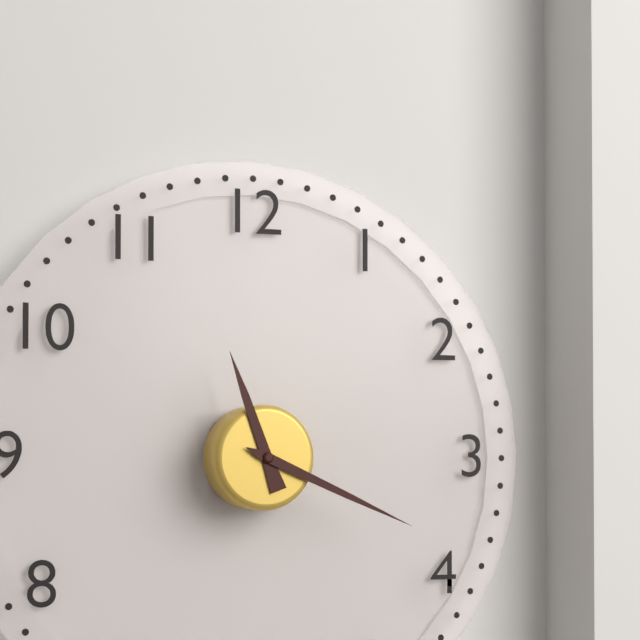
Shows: 11h19
